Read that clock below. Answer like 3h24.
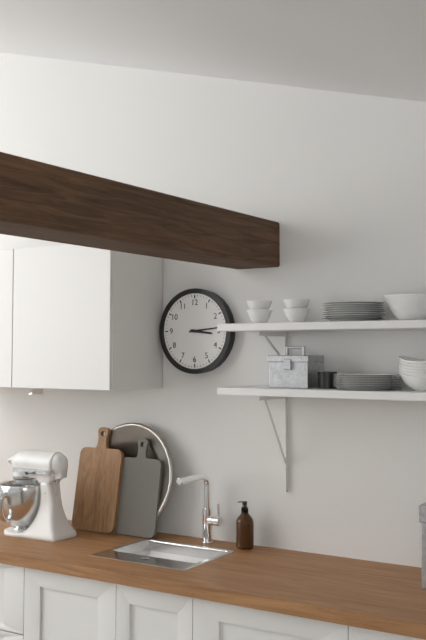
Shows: 3h14
